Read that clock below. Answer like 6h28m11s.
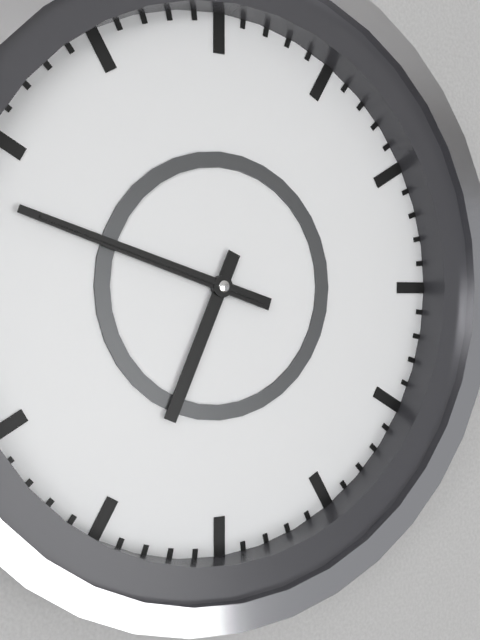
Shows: 6h48m48s
